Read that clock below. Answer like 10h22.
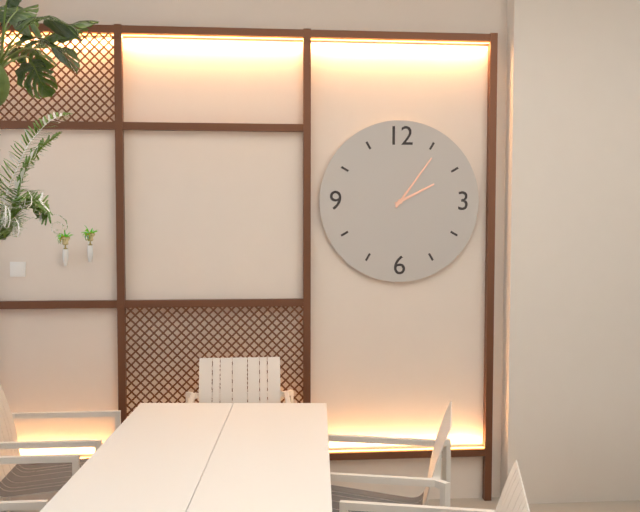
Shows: 2h06
